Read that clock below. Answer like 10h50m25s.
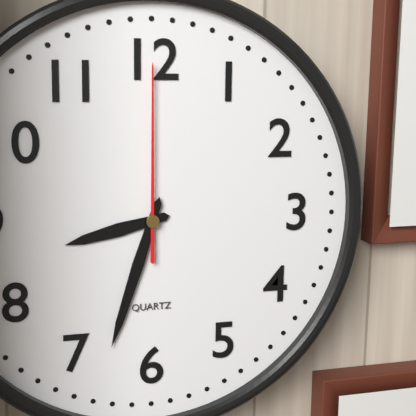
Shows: 8h33m00s
